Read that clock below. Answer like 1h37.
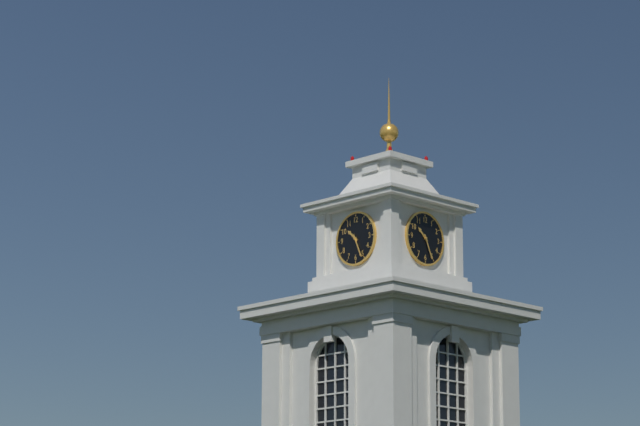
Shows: 10h26
